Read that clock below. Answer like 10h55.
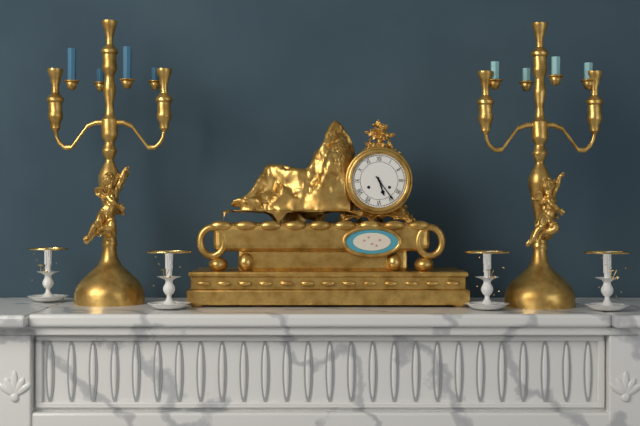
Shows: 5h24
